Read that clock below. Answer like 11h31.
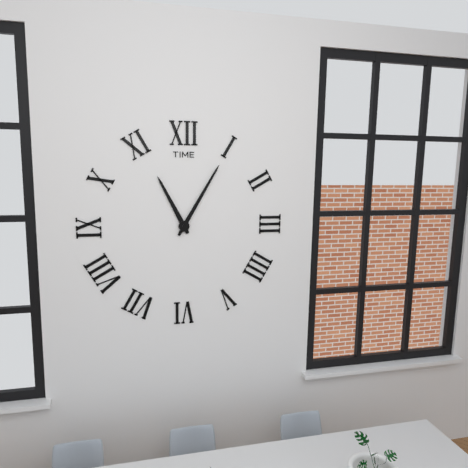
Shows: 11h05
